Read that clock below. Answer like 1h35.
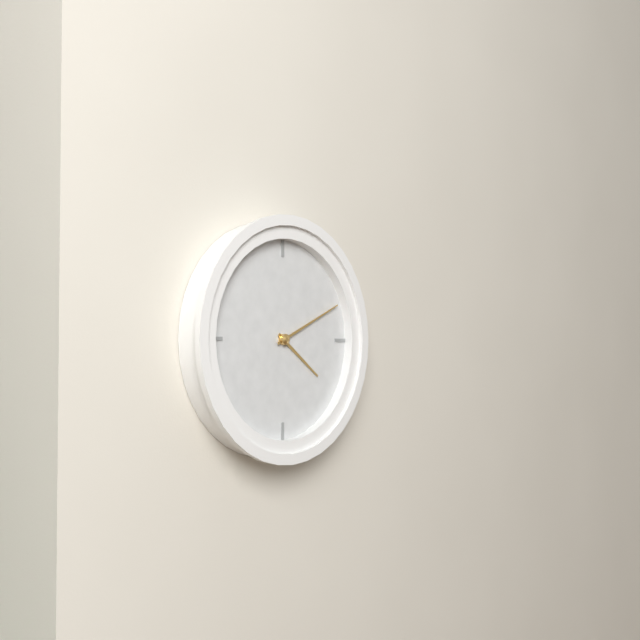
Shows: 4h11
